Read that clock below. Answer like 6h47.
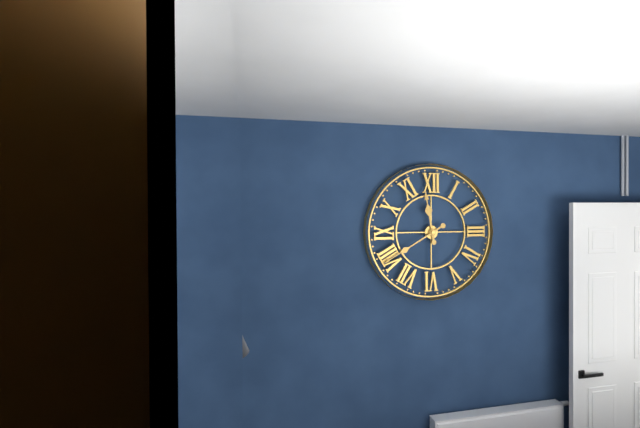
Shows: 11h40
